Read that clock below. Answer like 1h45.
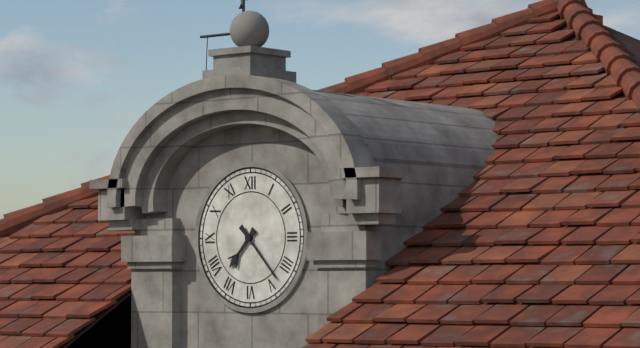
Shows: 7h23
